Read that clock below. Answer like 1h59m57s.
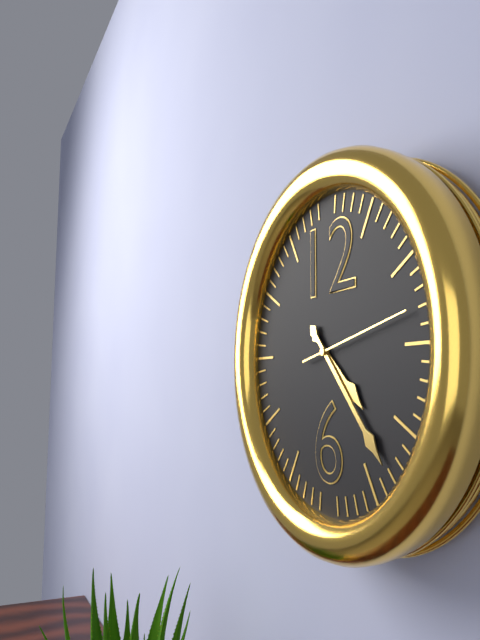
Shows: 4h23m13s
